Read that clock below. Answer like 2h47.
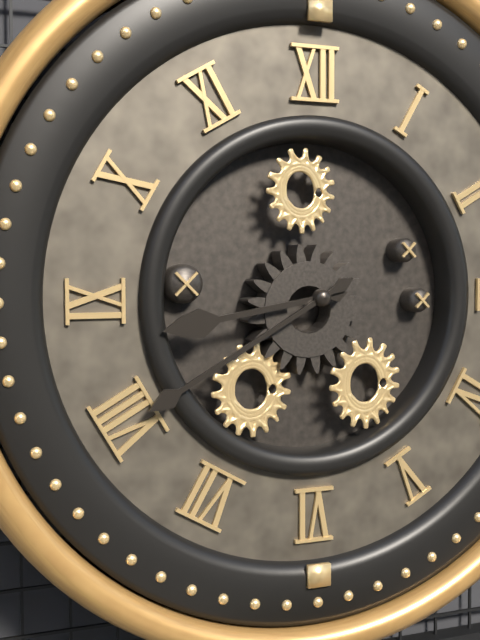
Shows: 8h40
